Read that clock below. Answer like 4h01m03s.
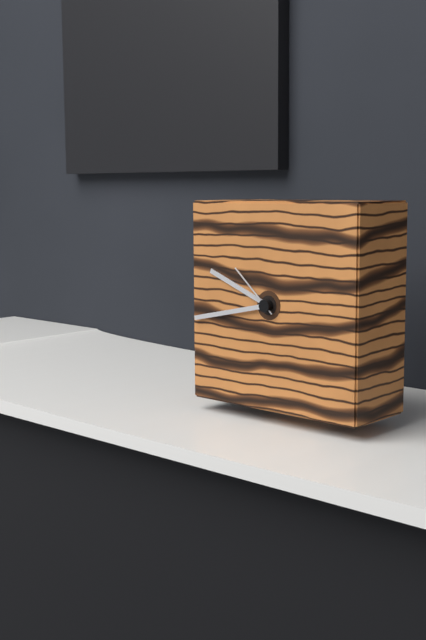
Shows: 9h43m52s
